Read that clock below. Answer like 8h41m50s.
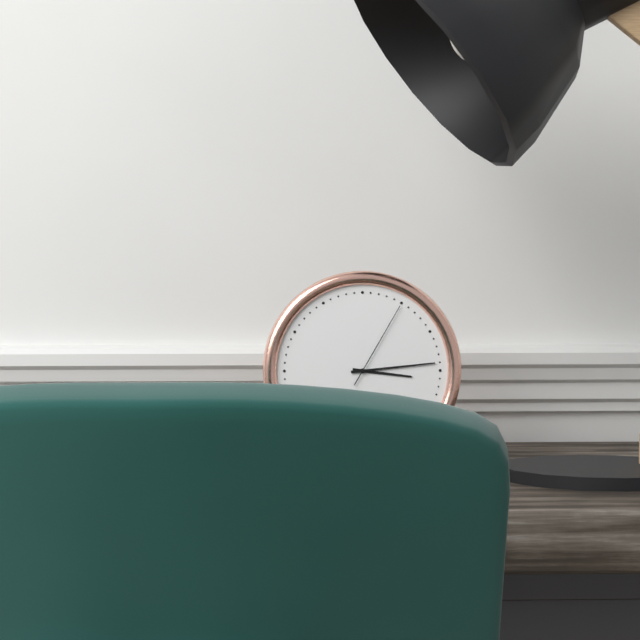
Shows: 3h14m05s
